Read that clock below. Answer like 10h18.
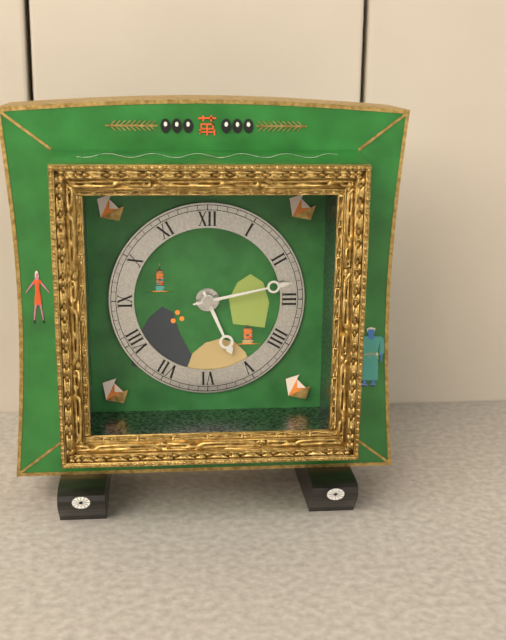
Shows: 5h13
